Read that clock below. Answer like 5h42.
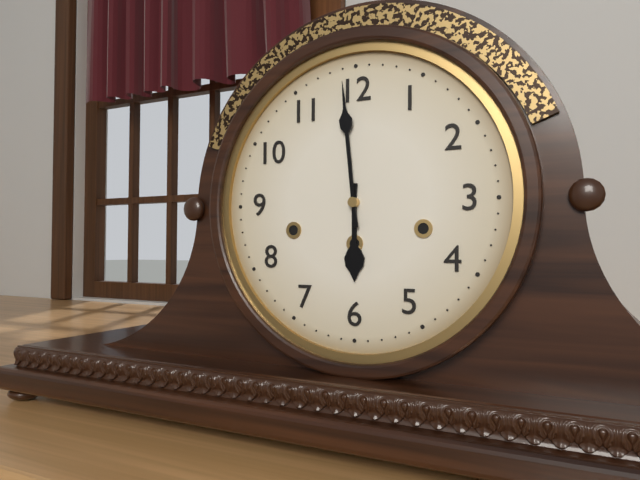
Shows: 5h59
